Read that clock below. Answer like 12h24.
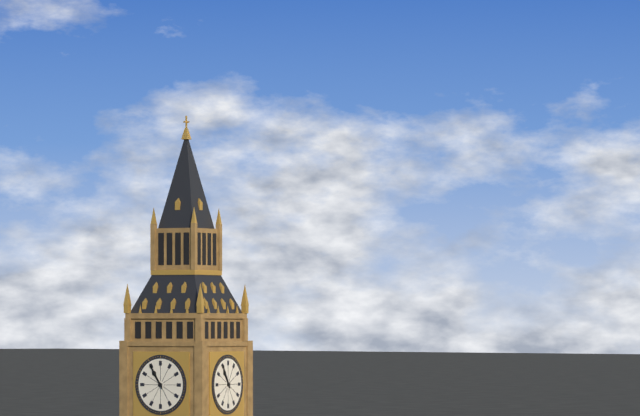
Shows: 10h55
